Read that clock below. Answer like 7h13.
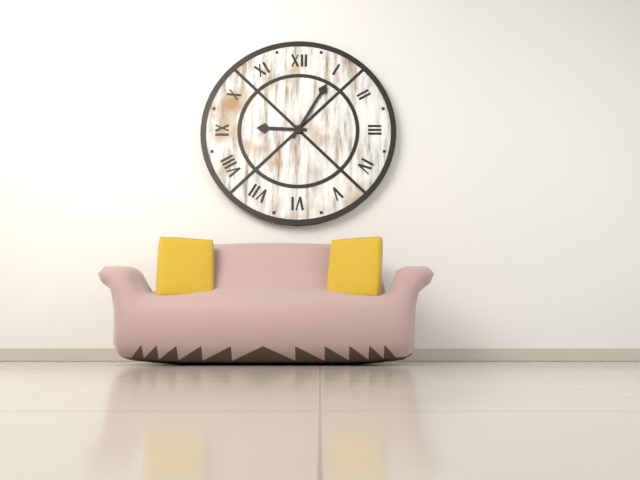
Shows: 9h05
